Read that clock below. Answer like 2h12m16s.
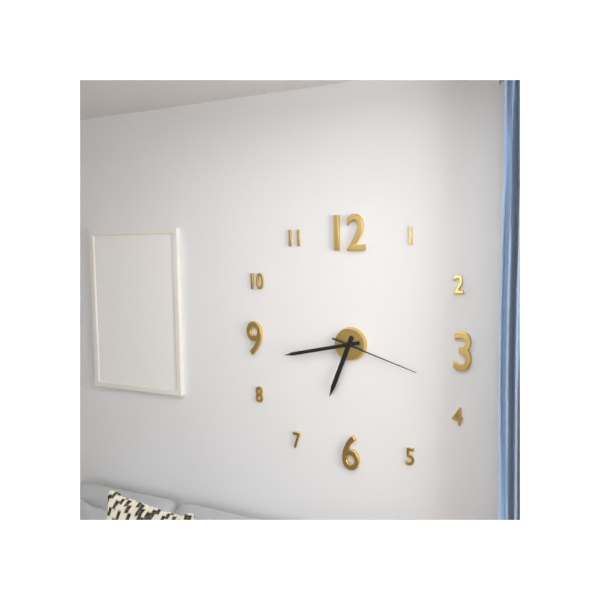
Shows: 6h43m18s
